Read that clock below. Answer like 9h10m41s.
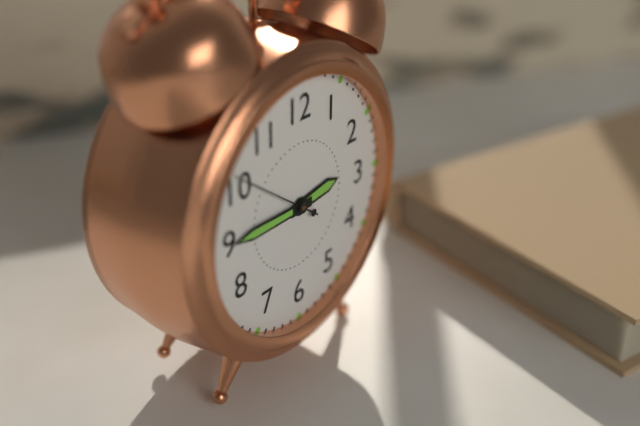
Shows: 2h45m51s
